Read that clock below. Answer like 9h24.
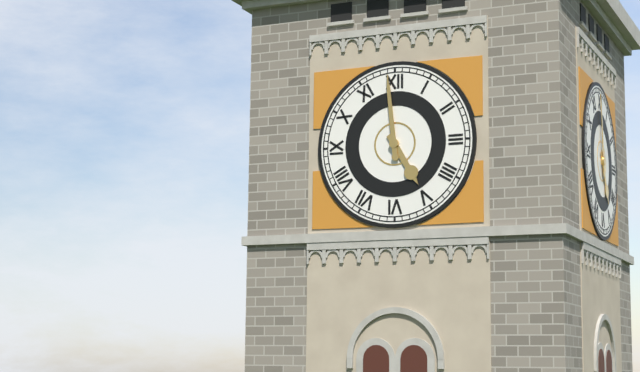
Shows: 4h59
